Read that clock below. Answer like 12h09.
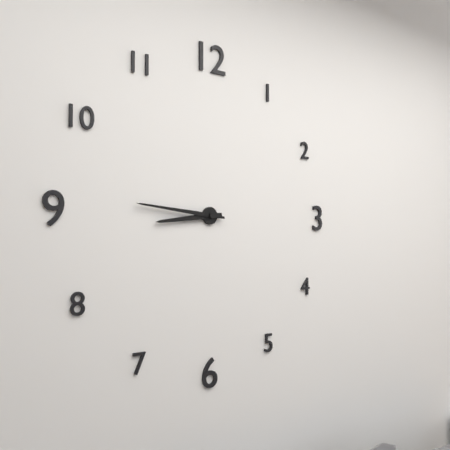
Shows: 8h46
